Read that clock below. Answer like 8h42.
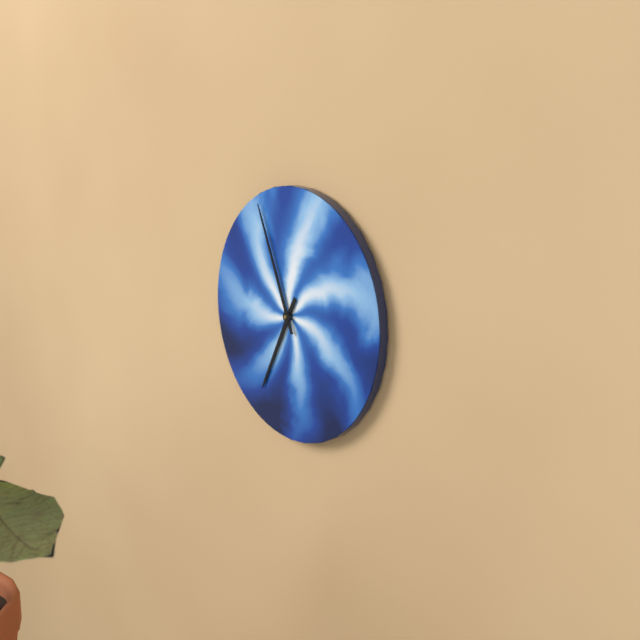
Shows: 6h56
